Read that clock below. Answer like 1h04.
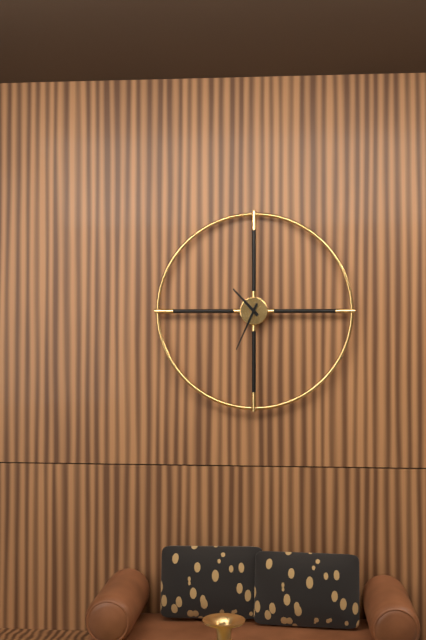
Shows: 10h34
